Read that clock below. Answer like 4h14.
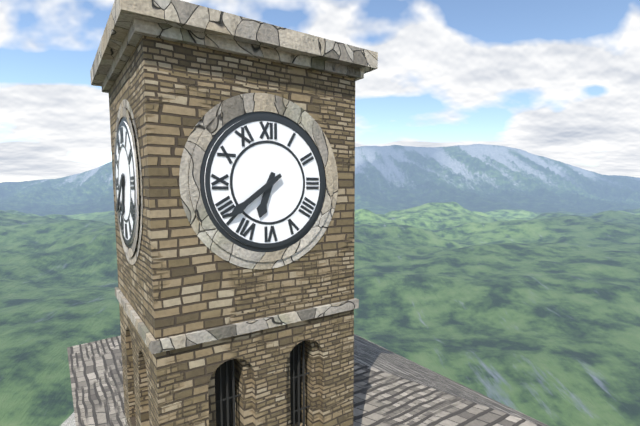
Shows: 6h39
